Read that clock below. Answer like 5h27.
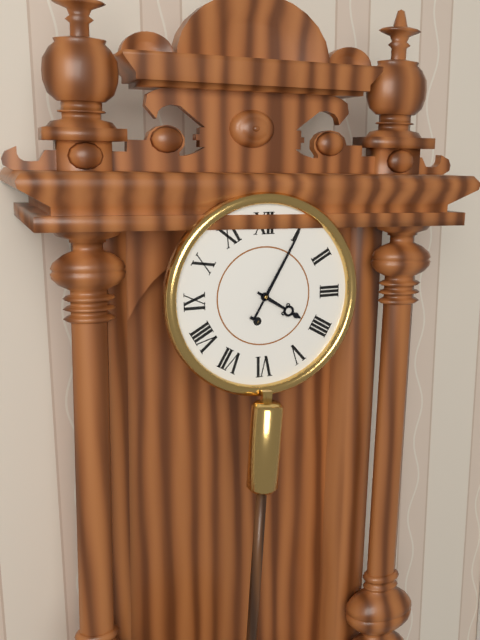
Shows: 4h05
